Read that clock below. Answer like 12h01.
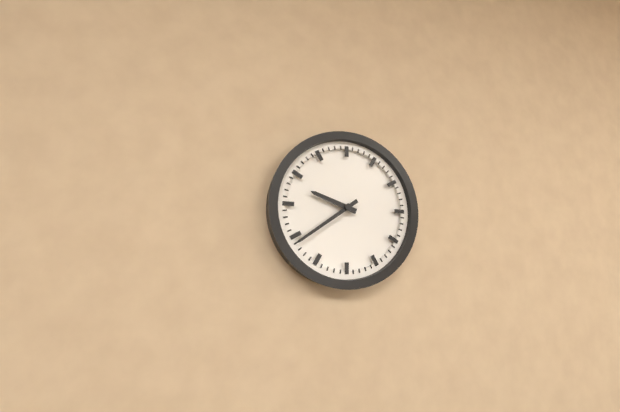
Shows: 9h39
